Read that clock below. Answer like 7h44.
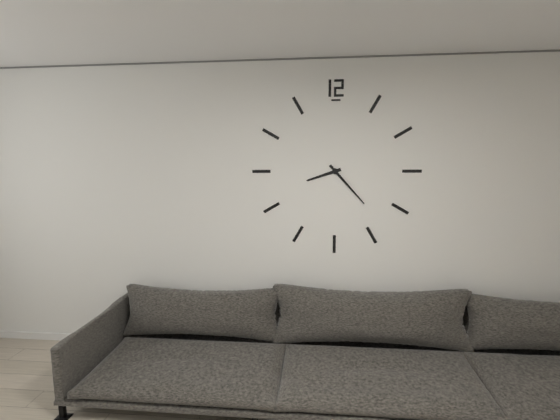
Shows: 8h23
